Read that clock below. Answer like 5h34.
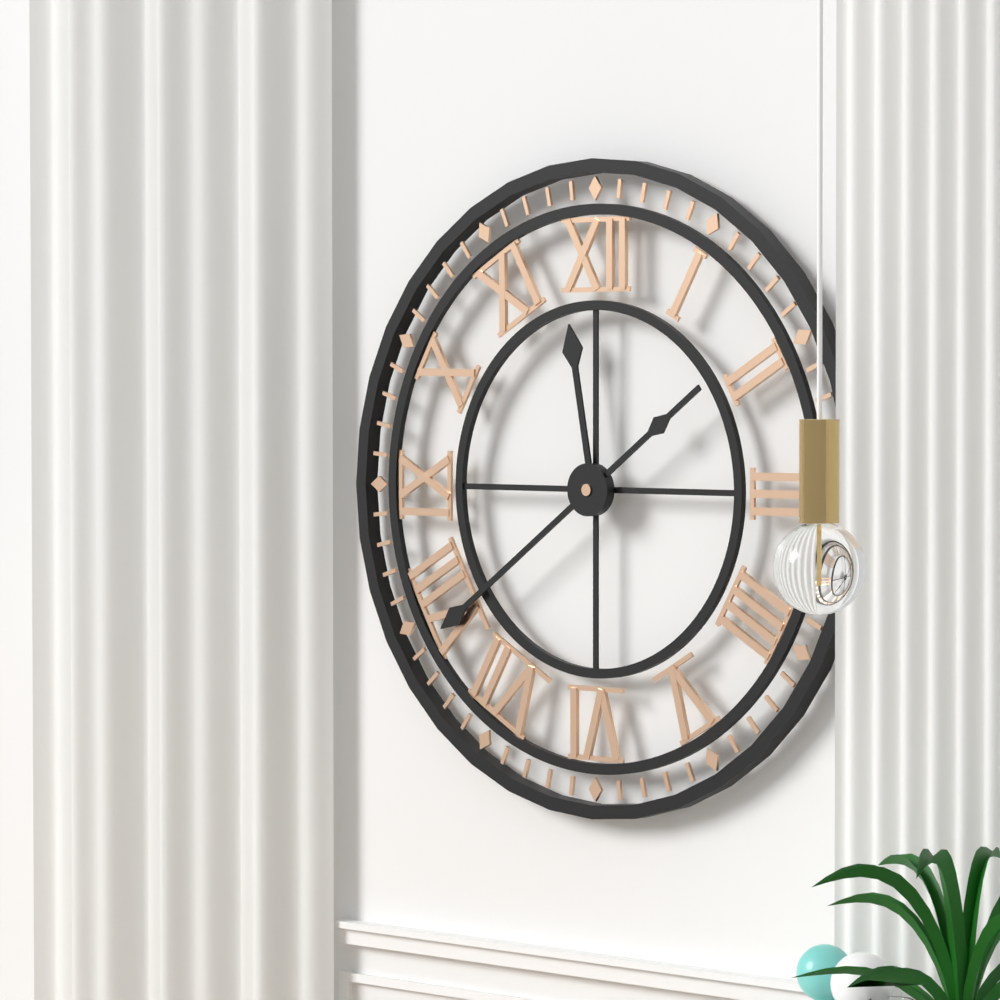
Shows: 11h39
